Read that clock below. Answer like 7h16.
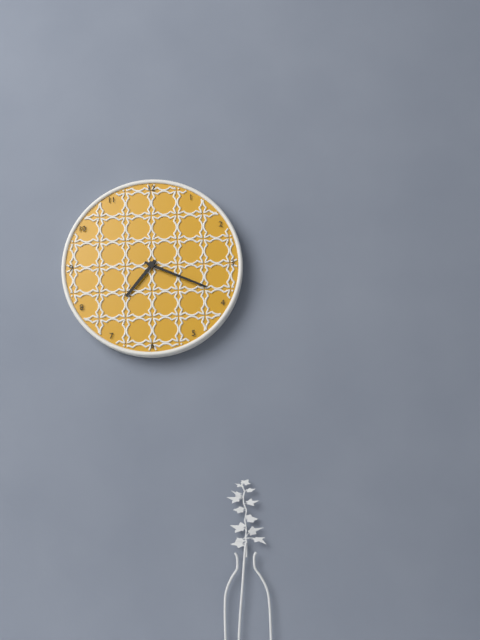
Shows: 7h19
